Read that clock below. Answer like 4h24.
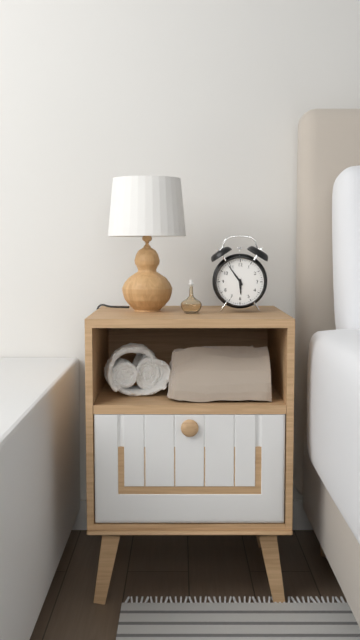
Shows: 5h54
